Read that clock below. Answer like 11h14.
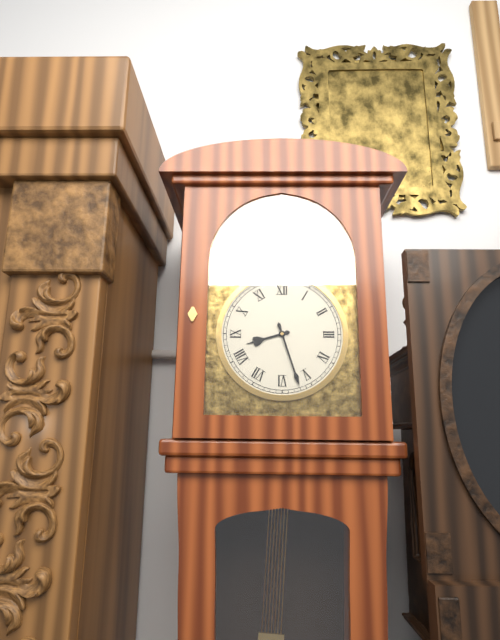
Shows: 8h27
